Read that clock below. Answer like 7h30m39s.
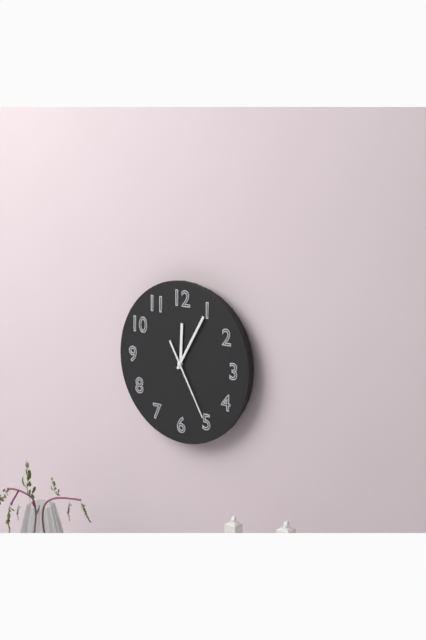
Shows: 12h05m25s
